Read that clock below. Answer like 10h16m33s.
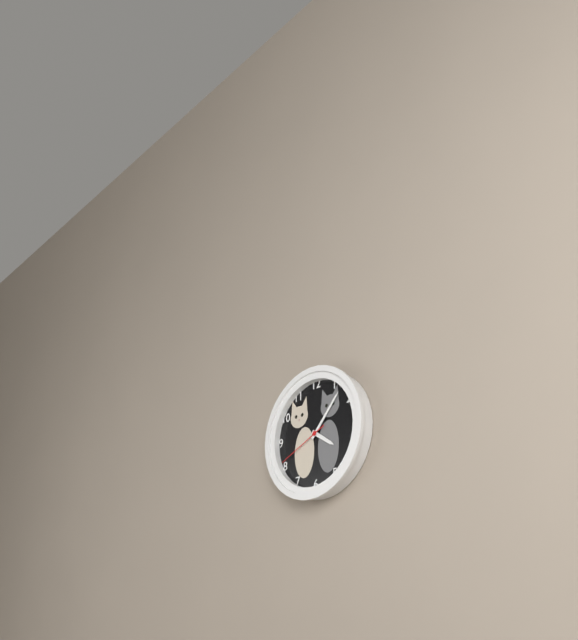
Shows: 4h07m41s
